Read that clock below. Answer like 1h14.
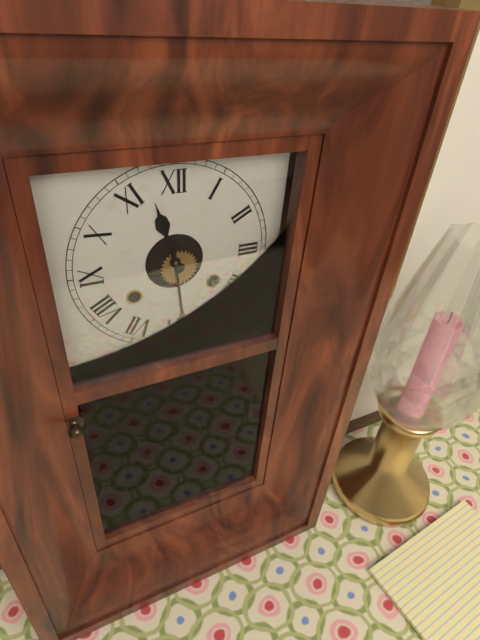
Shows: 11h29
